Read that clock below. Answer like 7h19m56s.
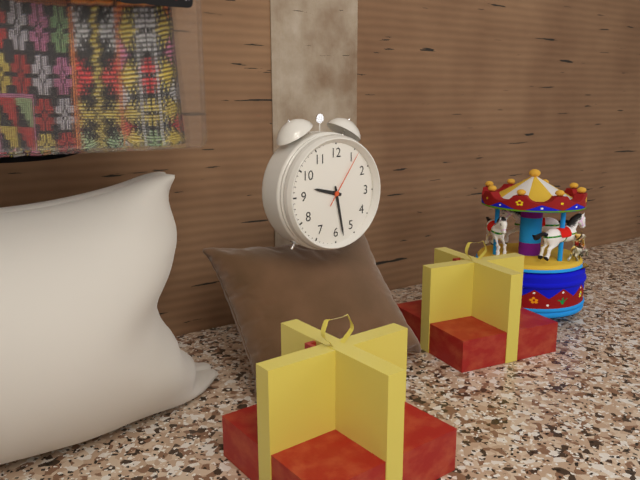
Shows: 9h28m06s
